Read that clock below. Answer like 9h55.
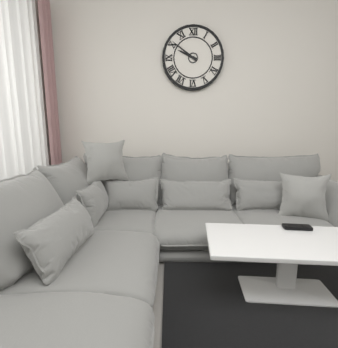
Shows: 9h51
